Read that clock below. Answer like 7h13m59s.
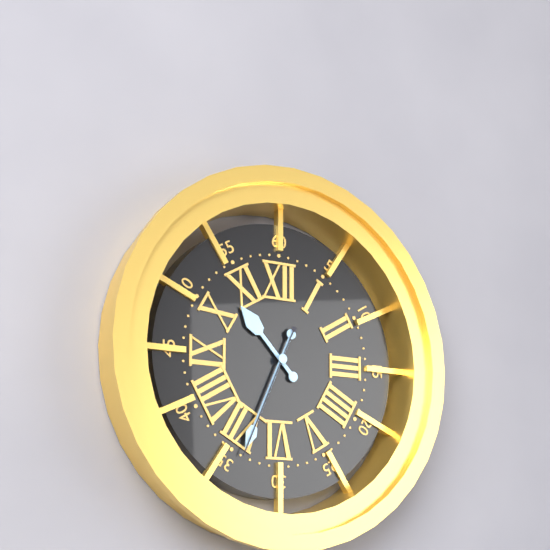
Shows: 10h34m34s
